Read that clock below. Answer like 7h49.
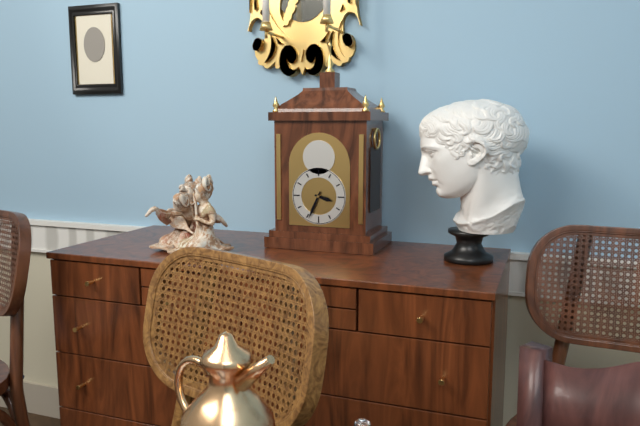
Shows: 3h34
